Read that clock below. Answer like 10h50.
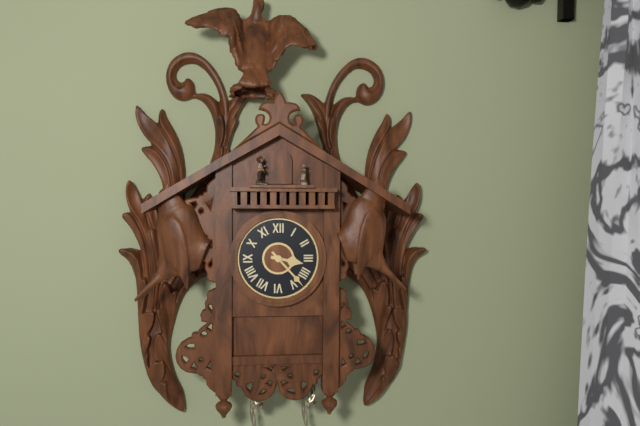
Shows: 3h23
